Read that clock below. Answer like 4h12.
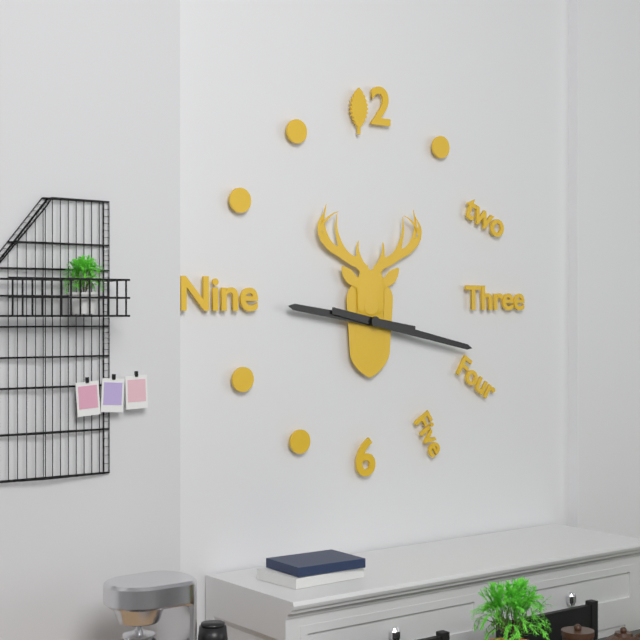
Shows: 9h17
